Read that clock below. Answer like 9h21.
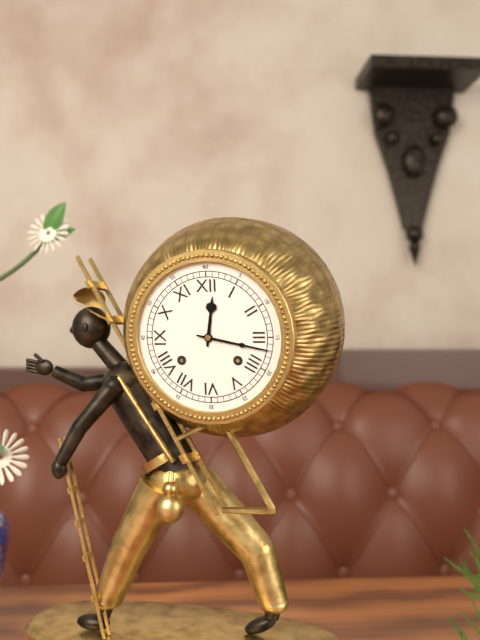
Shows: 12h17
